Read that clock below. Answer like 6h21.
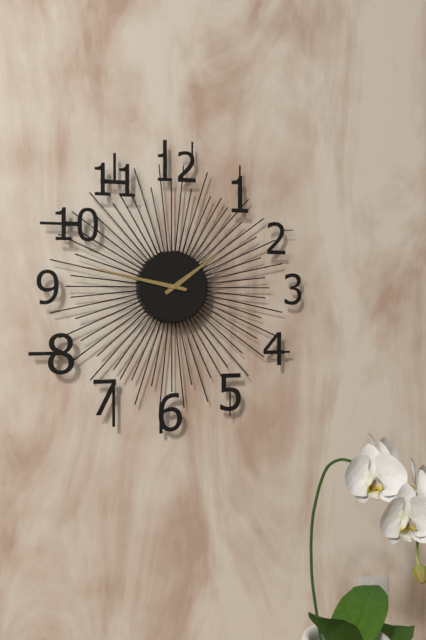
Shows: 1h47
